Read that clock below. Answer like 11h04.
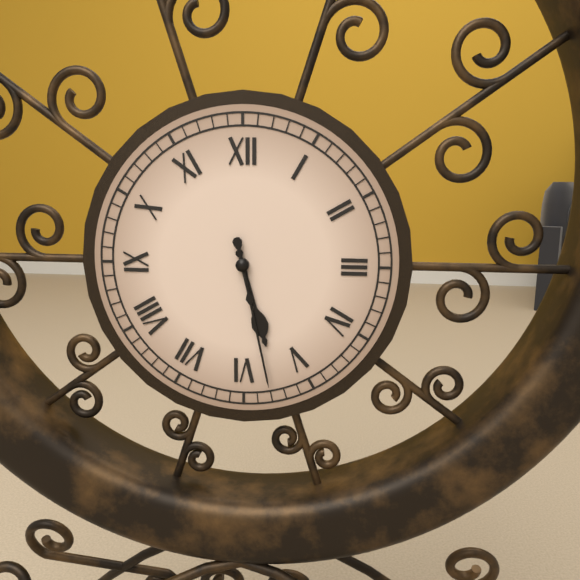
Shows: 5h28
